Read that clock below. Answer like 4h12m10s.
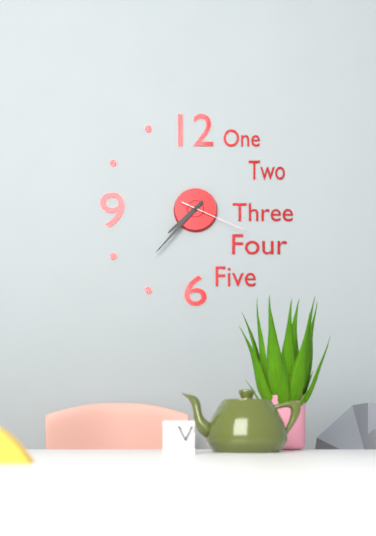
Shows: 7h37m19s
